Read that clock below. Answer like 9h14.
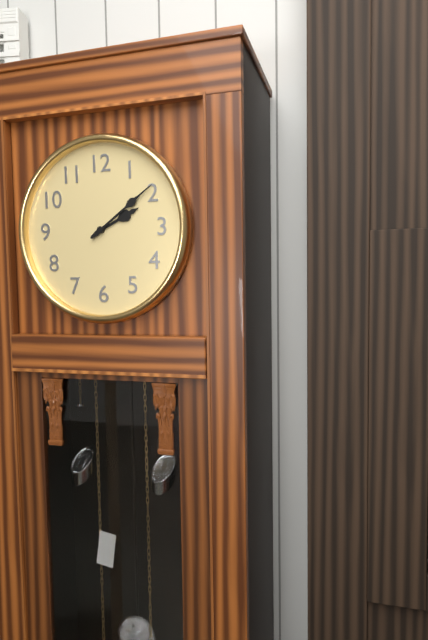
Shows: 2h09
